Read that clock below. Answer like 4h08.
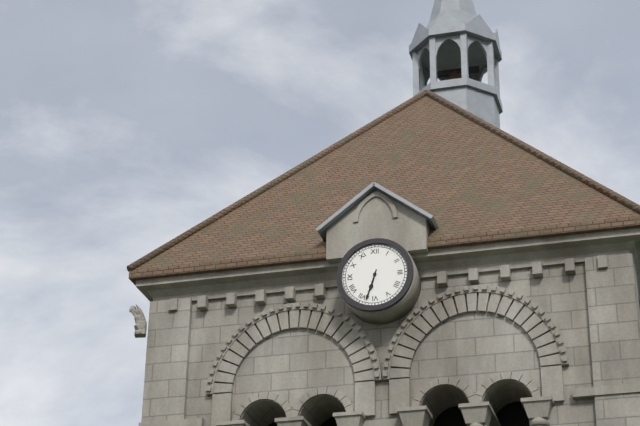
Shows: 6h33
